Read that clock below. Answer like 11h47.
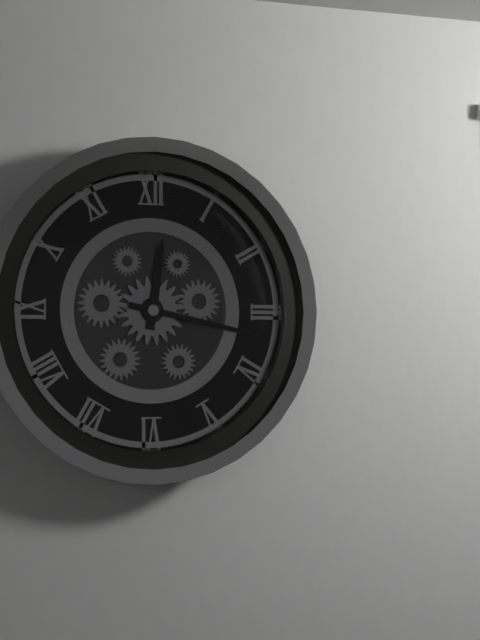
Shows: 12h17
